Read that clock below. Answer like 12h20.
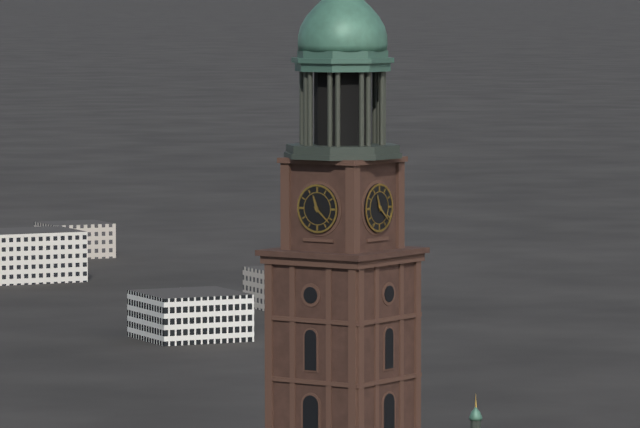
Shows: 11h22
